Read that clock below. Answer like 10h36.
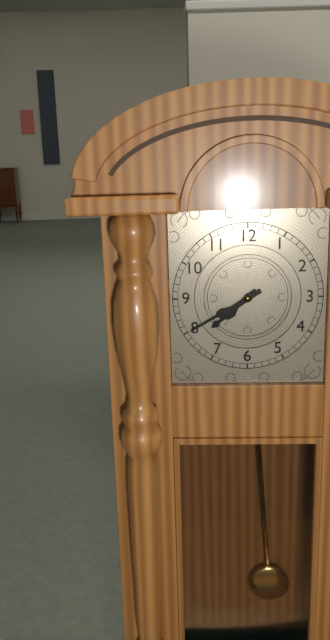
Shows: 7h40
